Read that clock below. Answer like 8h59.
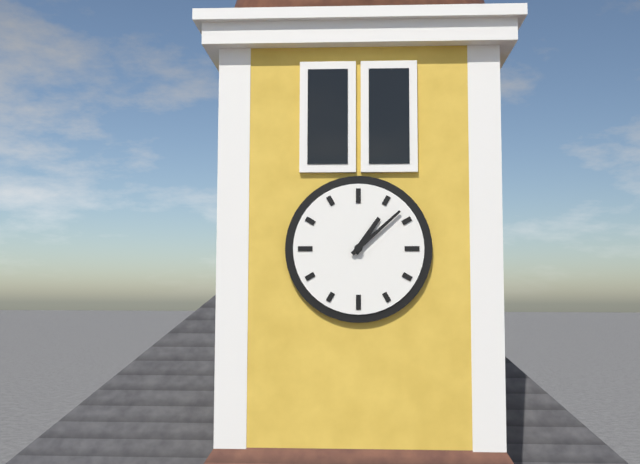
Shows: 1h08
